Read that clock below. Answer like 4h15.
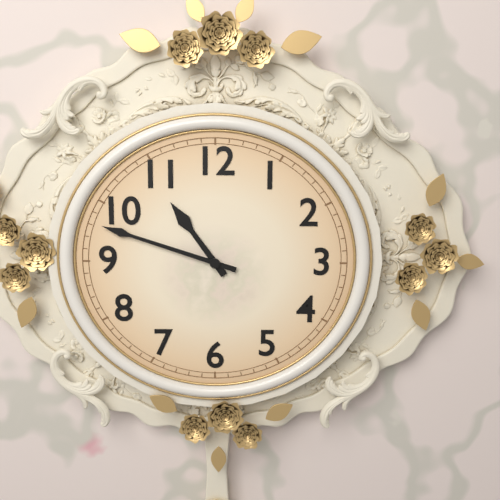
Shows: 10h48
